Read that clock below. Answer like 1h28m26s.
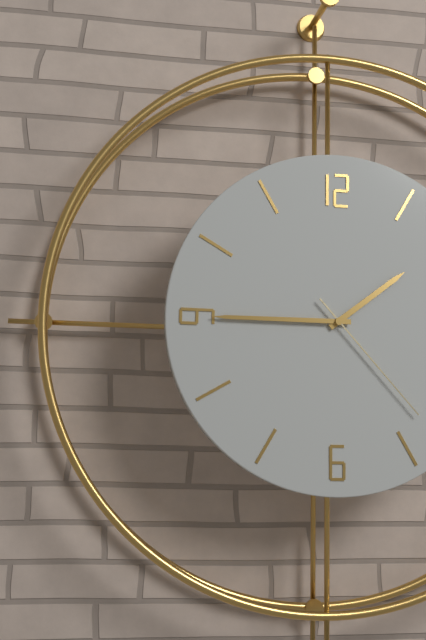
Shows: 1h45m23s
